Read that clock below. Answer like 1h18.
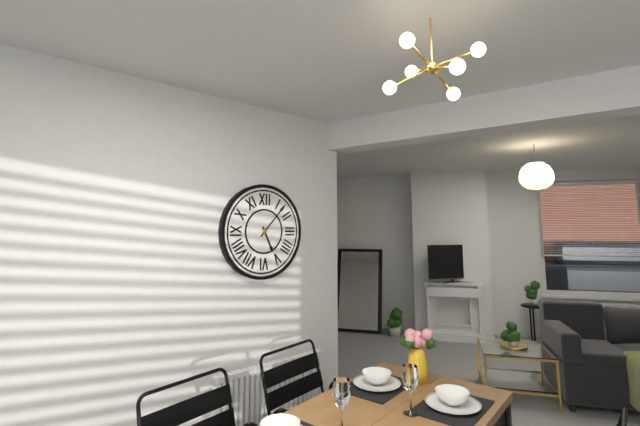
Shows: 5h07
